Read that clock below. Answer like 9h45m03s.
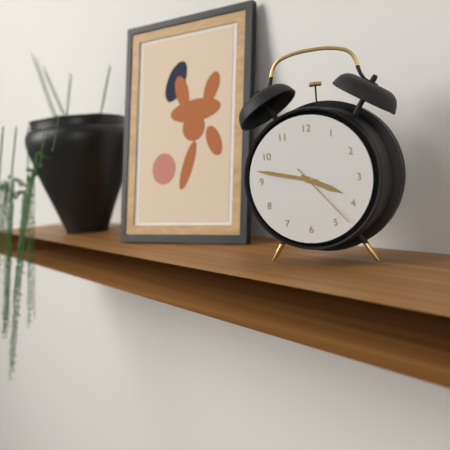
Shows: 3h47m23s
